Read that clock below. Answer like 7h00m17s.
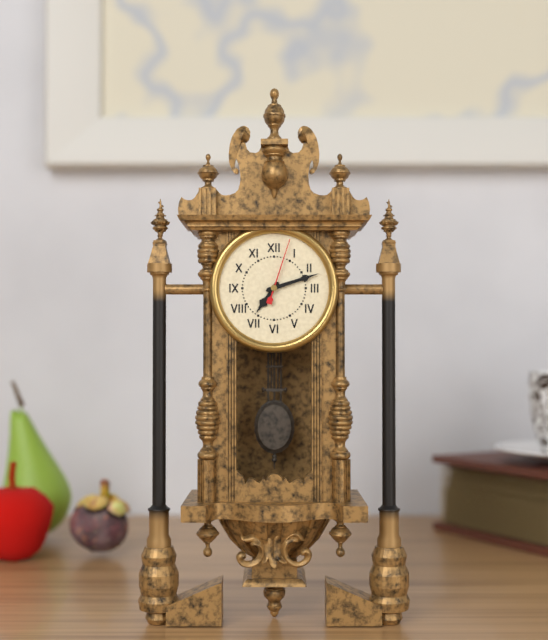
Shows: 7h12m03s
